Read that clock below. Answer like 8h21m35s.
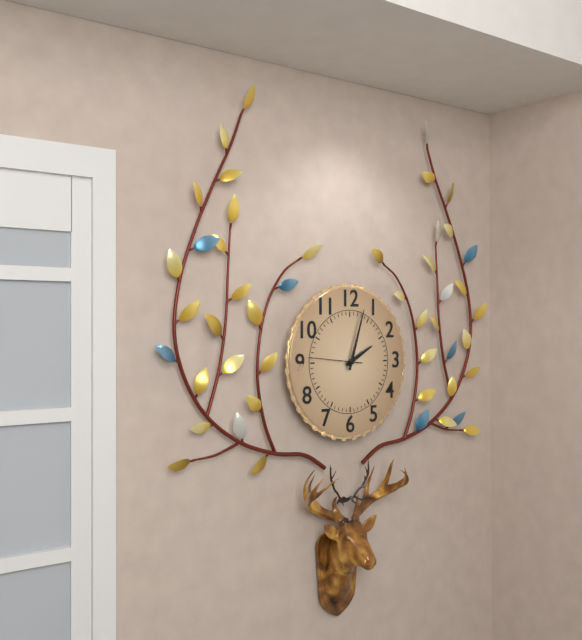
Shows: 2h03m46s
